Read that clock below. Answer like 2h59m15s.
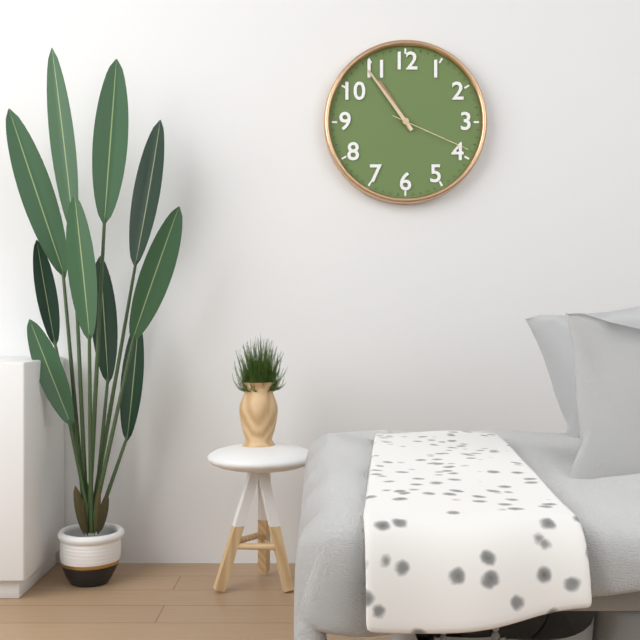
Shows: 10h54m19s
